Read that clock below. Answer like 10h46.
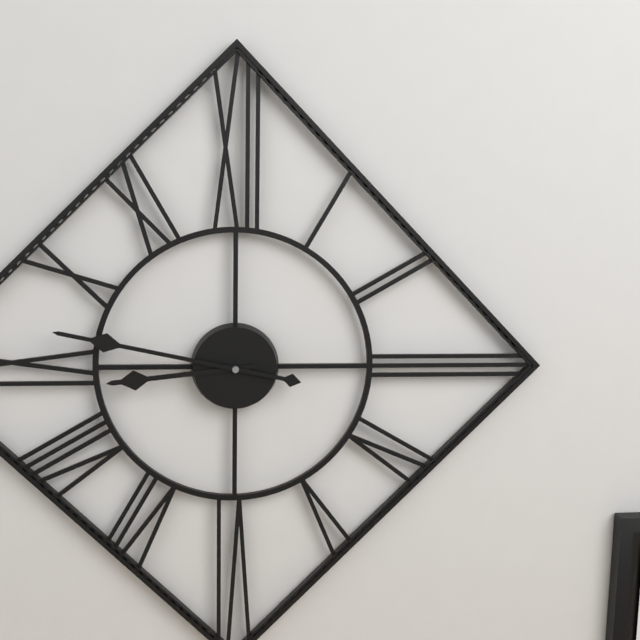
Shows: 8h47
